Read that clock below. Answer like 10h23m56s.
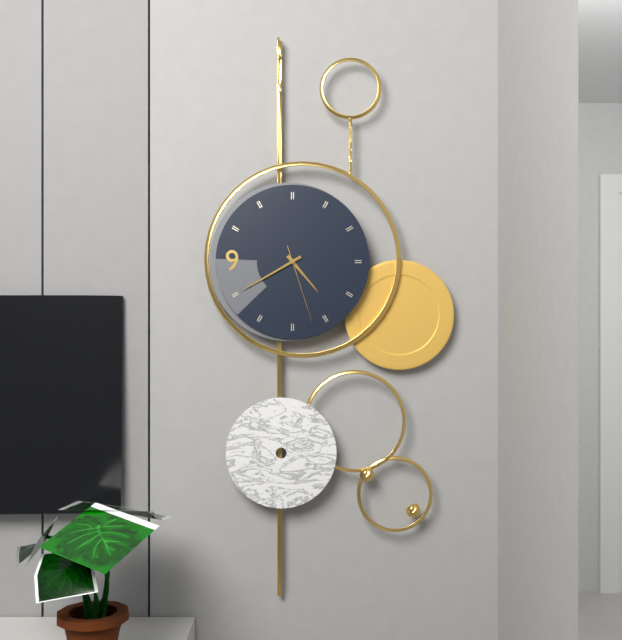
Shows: 4h40m27s
